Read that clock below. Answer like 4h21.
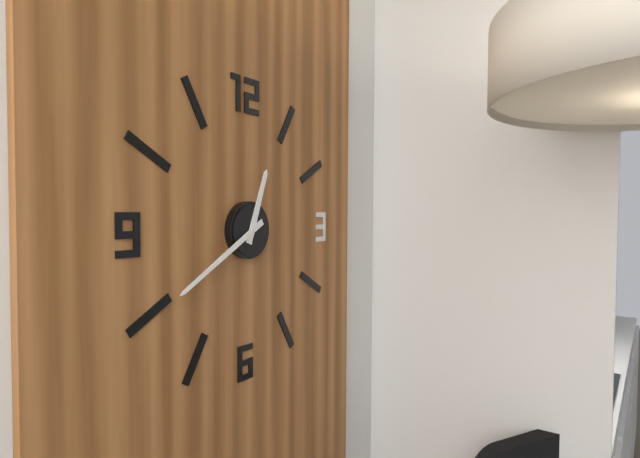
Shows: 12h40
